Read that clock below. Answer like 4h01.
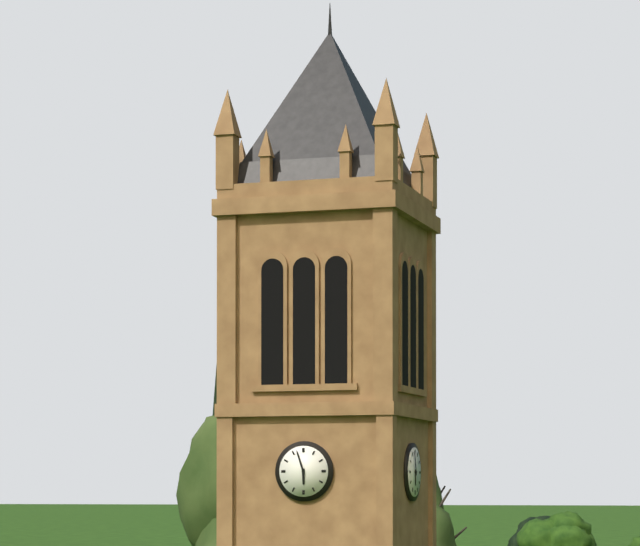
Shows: 5h57
